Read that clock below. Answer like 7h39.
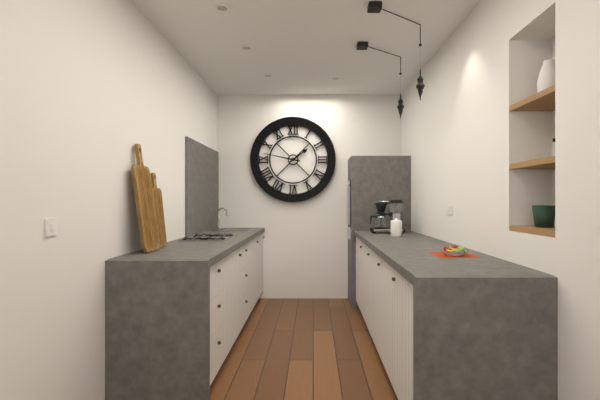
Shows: 1h47
